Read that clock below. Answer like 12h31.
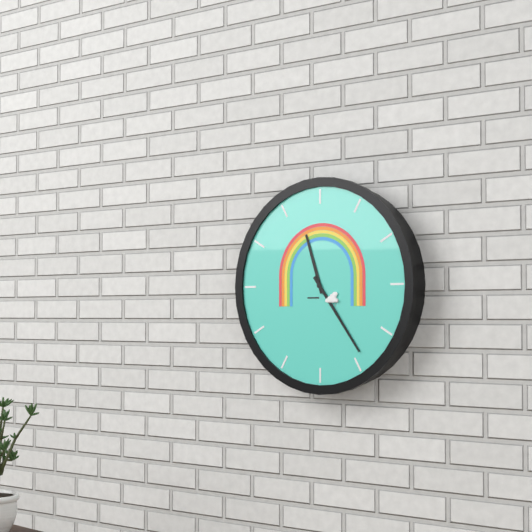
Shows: 11h24
